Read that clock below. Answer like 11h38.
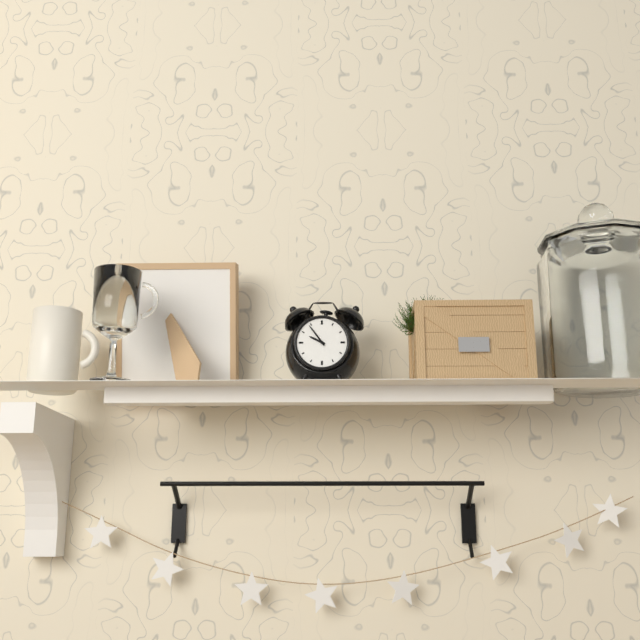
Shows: 9h54
